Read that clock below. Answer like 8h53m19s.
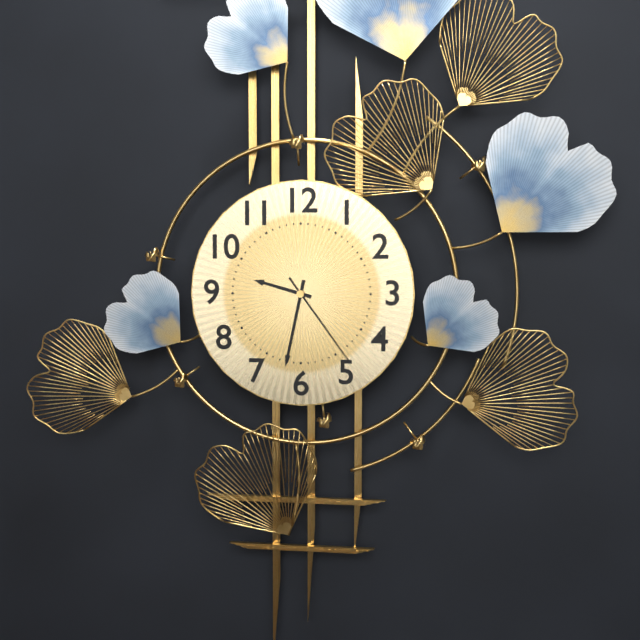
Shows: 9h32m24s
